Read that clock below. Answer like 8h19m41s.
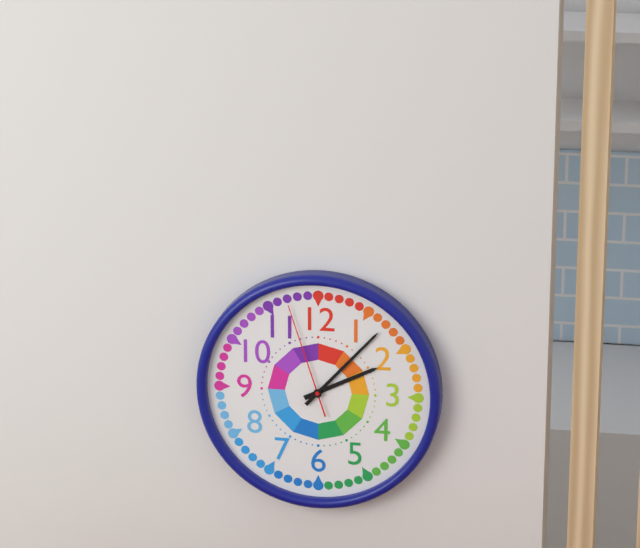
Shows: 2h07m57s
